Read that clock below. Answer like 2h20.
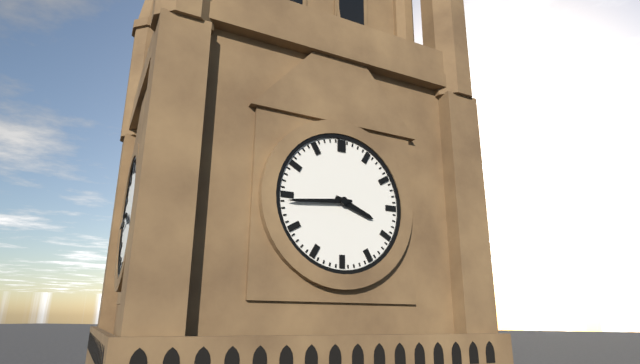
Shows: 3h44
